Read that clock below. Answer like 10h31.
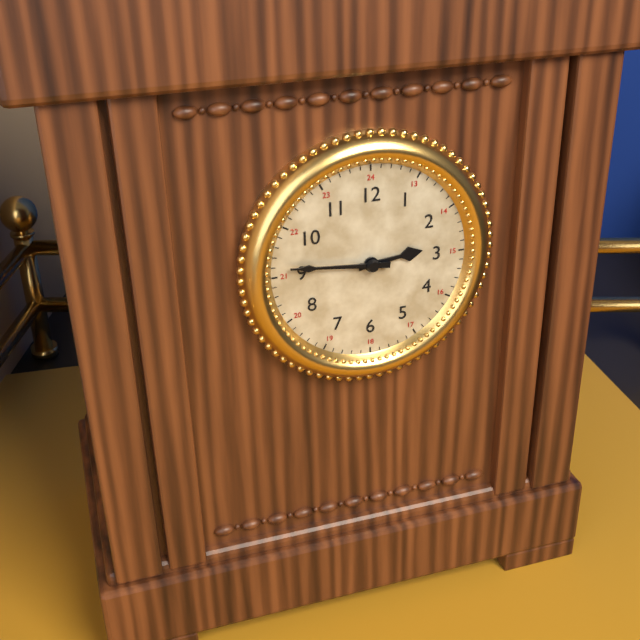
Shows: 2h46
